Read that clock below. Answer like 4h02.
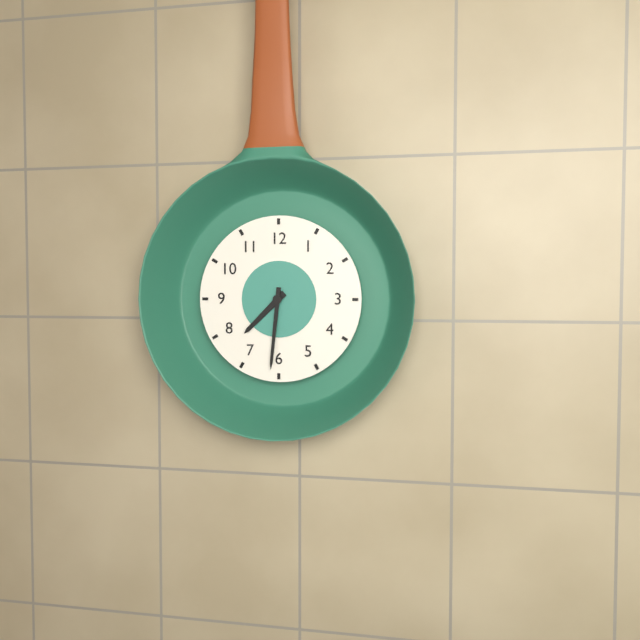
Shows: 7h31
